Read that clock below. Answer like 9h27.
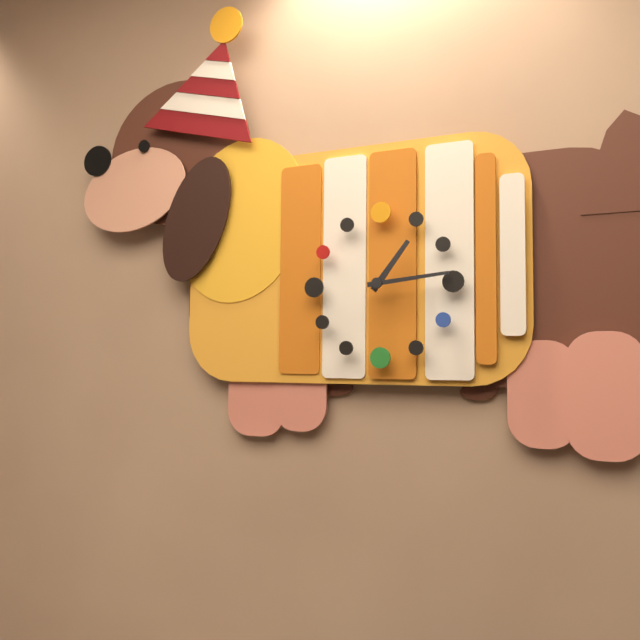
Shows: 1h14
